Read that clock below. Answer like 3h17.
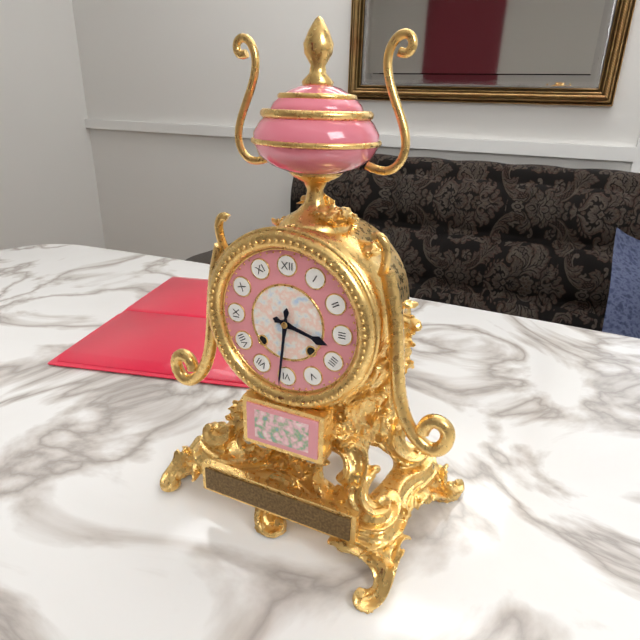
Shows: 3h31
